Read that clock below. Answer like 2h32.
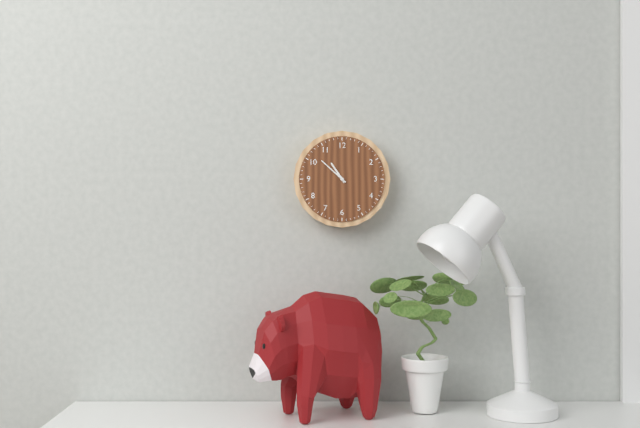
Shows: 10h52
